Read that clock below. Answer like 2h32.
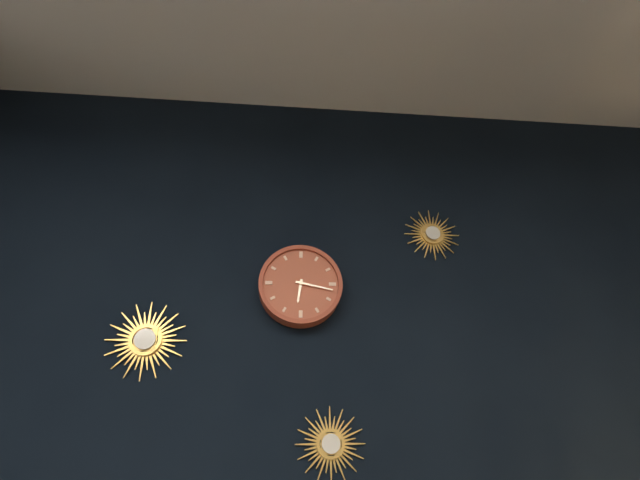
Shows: 6h17
